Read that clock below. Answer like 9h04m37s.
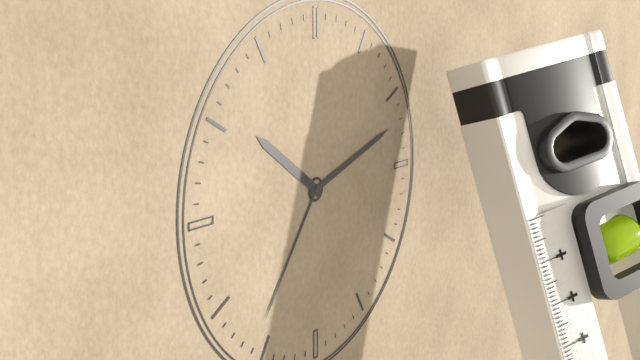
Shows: 10h12m36s
